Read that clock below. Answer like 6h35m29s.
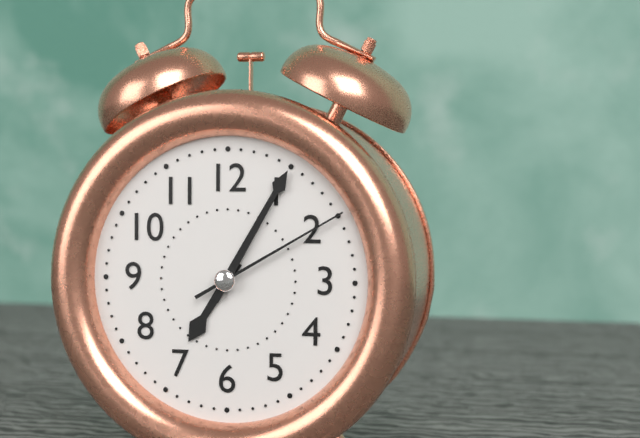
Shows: 7h05m10s
